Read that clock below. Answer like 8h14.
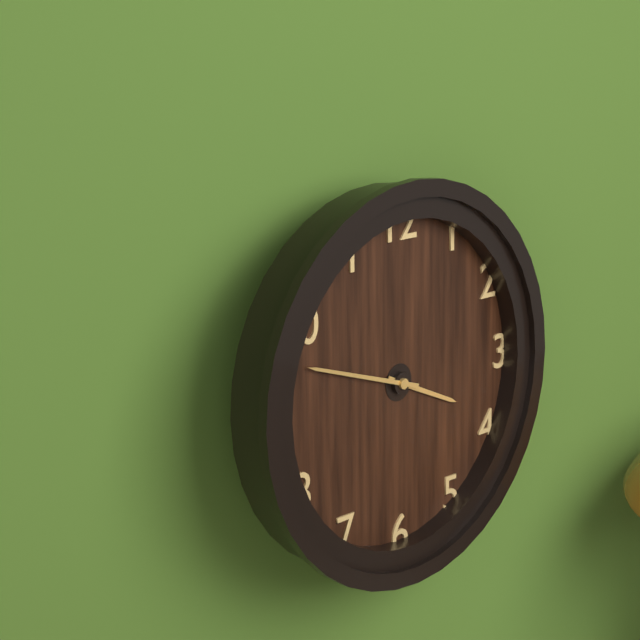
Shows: 3h48
